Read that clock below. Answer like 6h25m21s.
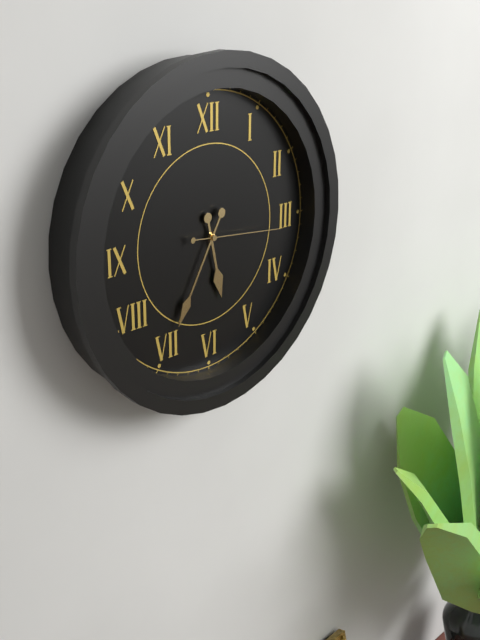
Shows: 5h35m16s
